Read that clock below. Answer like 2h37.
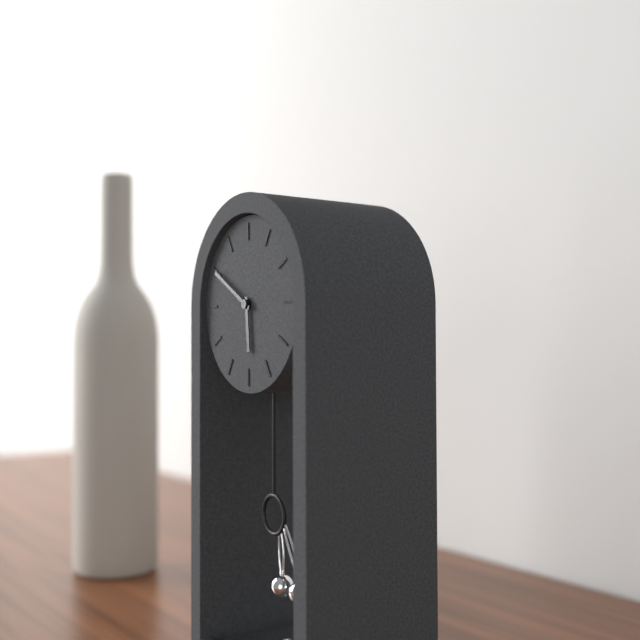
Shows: 5h50
